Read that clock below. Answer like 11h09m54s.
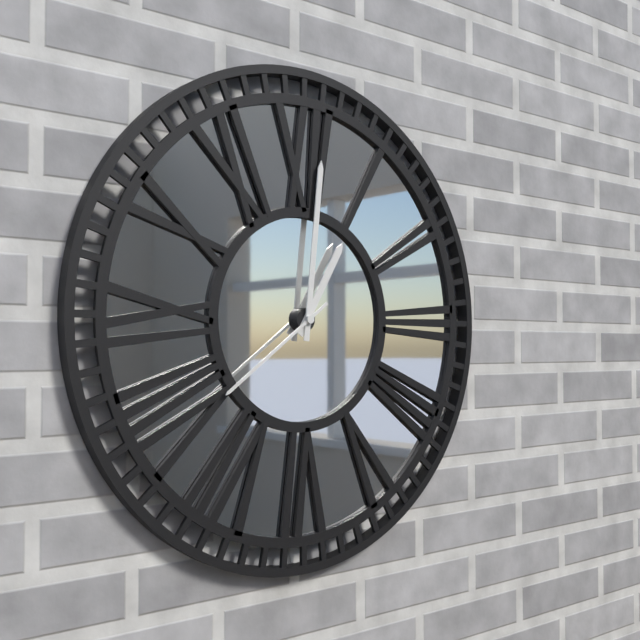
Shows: 1h01m39s
